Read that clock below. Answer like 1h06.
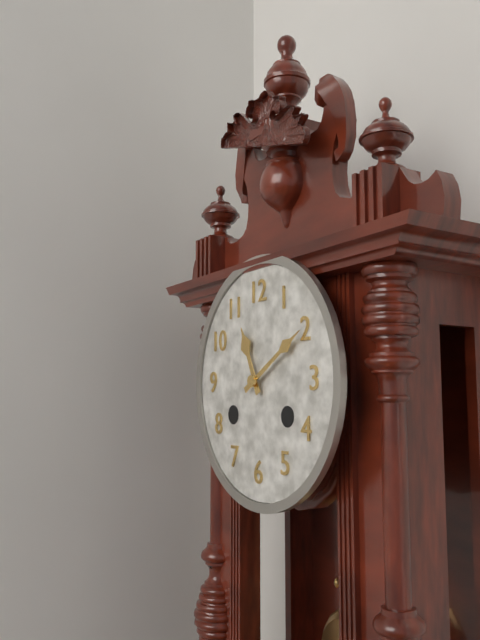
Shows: 11h10
